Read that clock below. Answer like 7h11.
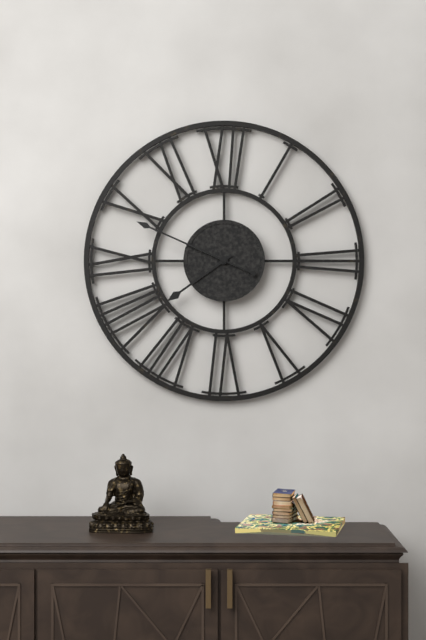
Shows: 7h49
